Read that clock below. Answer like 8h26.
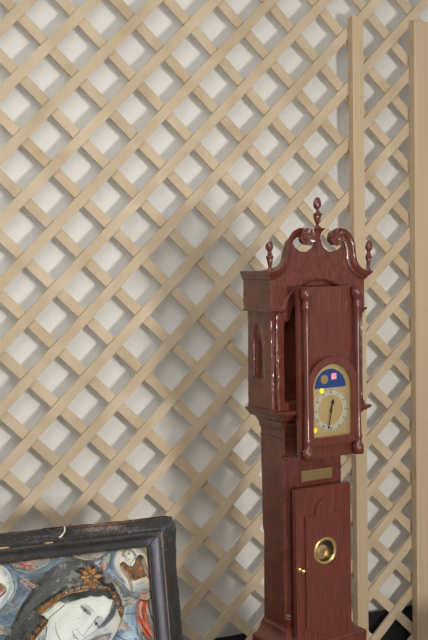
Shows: 12h32
